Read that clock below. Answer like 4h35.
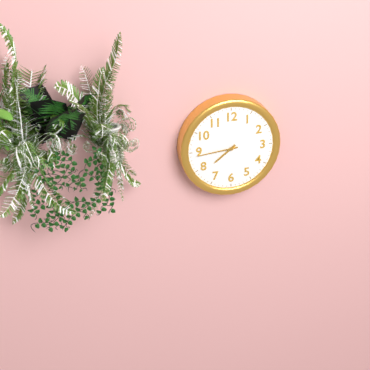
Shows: 7h44
